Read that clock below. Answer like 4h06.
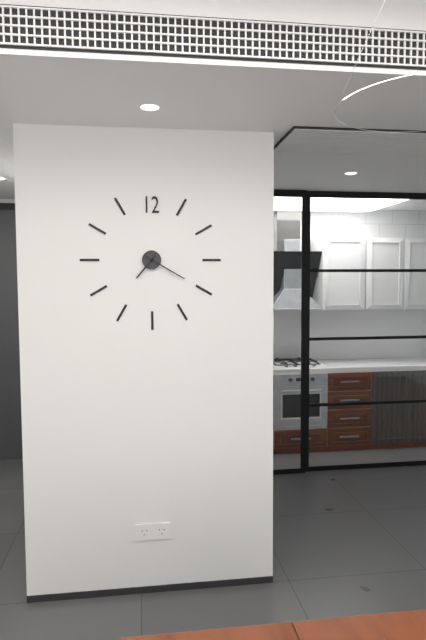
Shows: 7h20
